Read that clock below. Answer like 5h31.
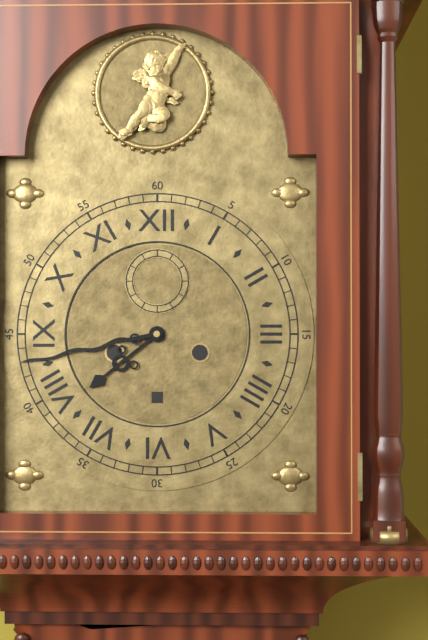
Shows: 7h43
